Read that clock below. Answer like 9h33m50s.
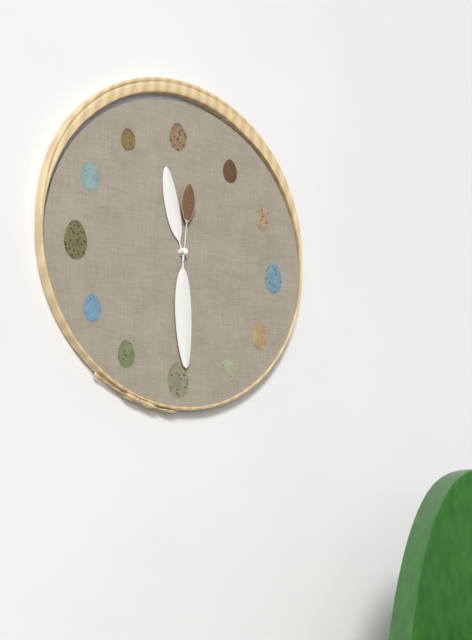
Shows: 11h30m01s
